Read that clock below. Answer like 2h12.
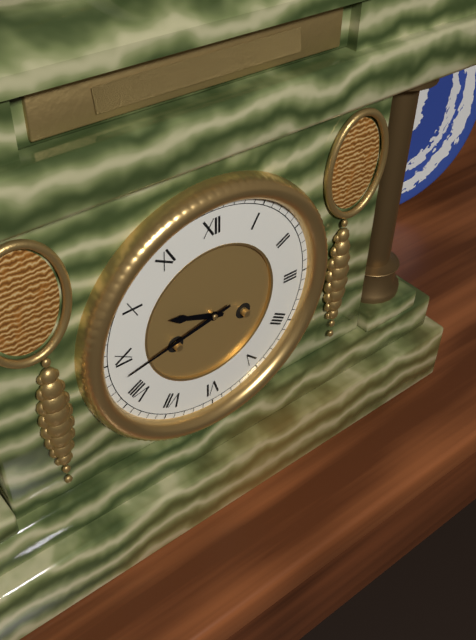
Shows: 9h43
